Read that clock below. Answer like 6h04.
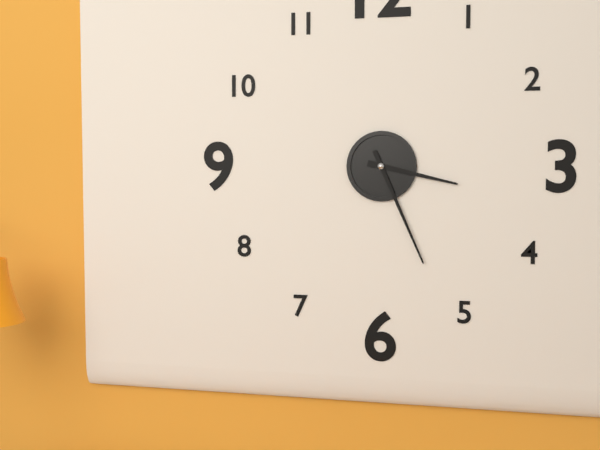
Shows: 3h26
